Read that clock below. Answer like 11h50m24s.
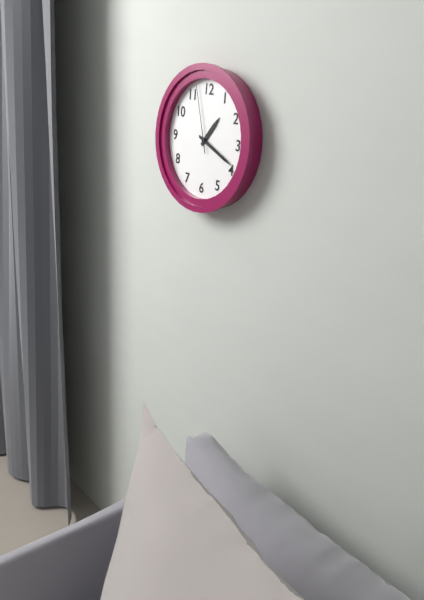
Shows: 1h19m57s
